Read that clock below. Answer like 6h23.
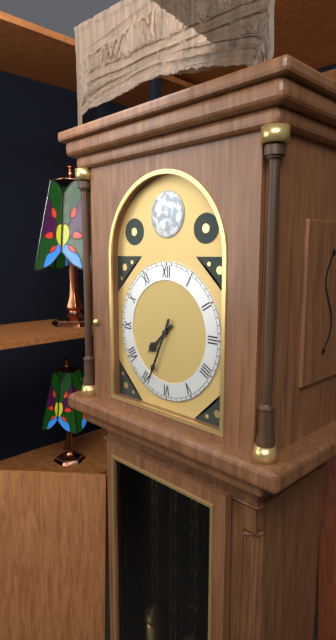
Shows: 7h34
